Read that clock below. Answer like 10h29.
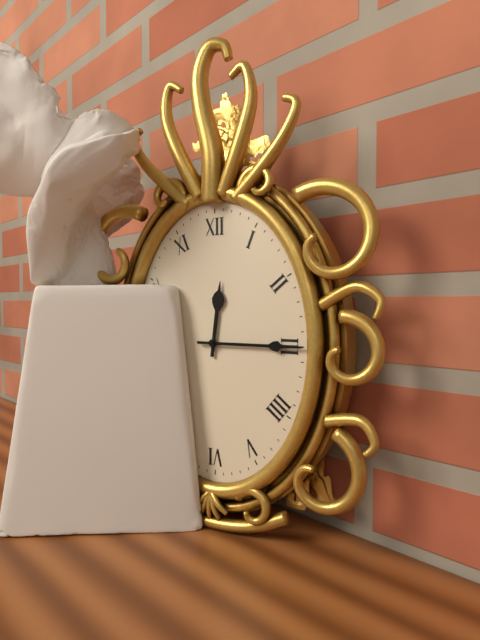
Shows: 12h15
